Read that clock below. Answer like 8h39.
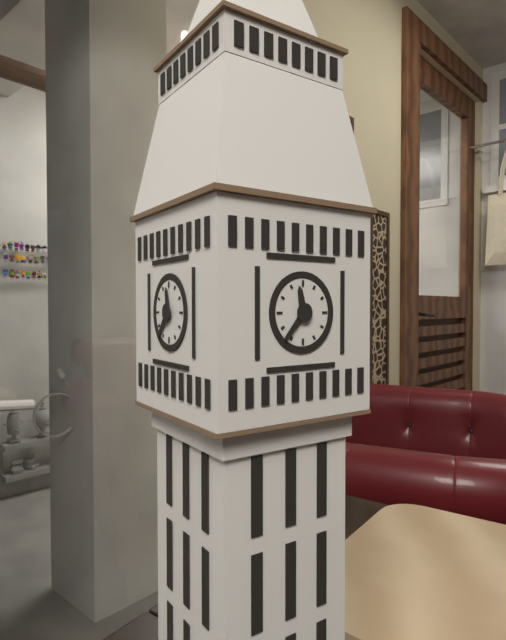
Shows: 11h37
